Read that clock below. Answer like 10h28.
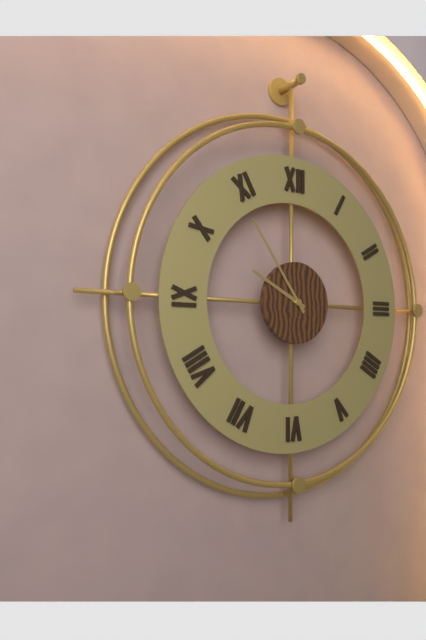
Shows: 9h54
